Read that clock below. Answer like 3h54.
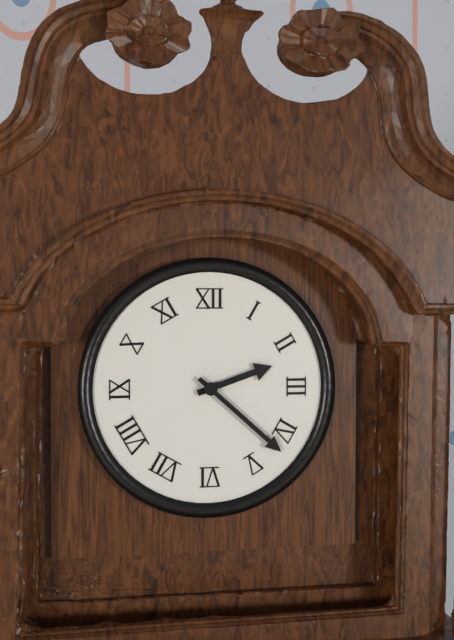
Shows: 2h22
